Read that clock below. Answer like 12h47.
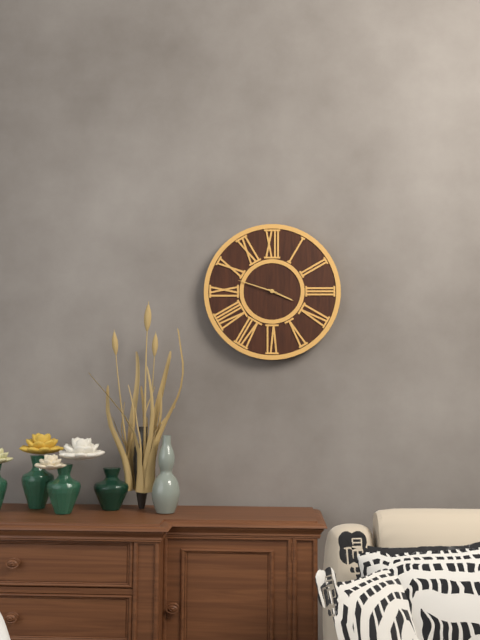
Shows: 3h48
